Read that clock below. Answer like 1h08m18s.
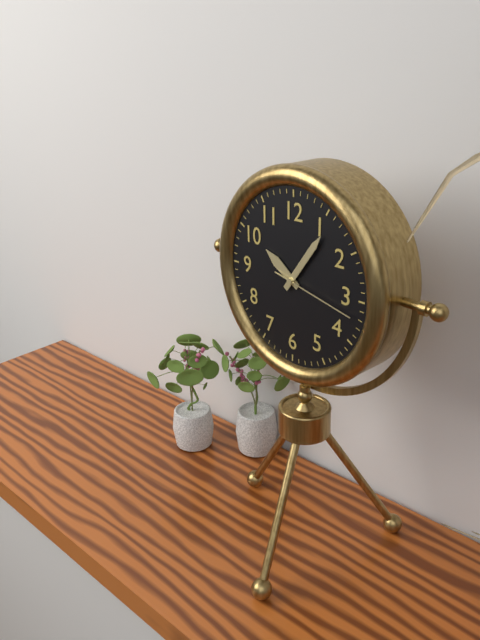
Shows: 10h06m17s
